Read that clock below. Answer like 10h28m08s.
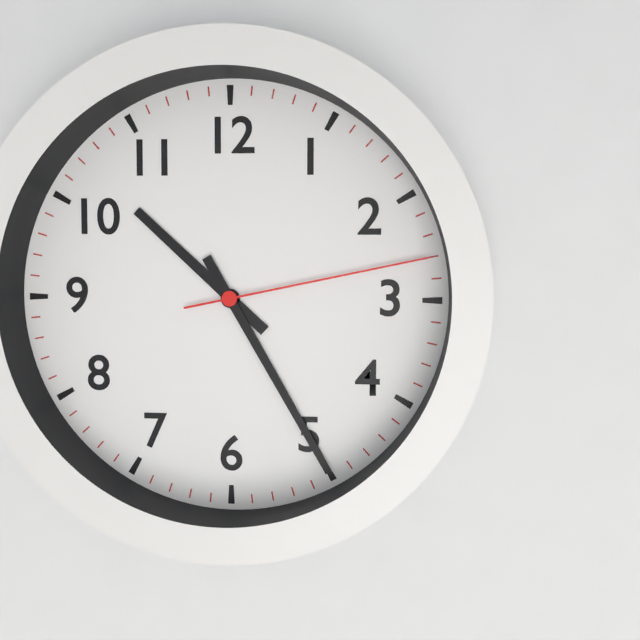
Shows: 10h25m13s
